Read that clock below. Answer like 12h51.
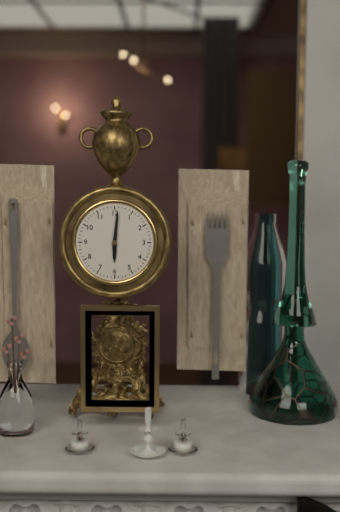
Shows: 6h01
